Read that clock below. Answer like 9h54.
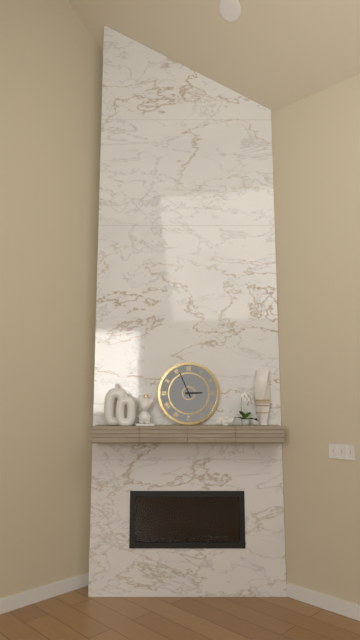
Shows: 2h56
